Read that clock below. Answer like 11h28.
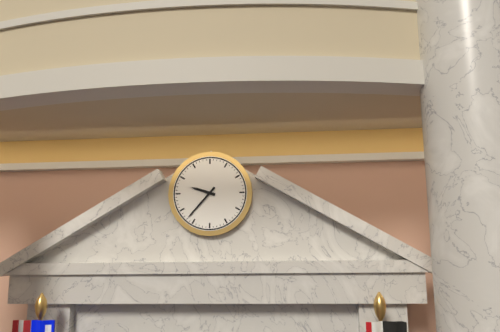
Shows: 9h37
